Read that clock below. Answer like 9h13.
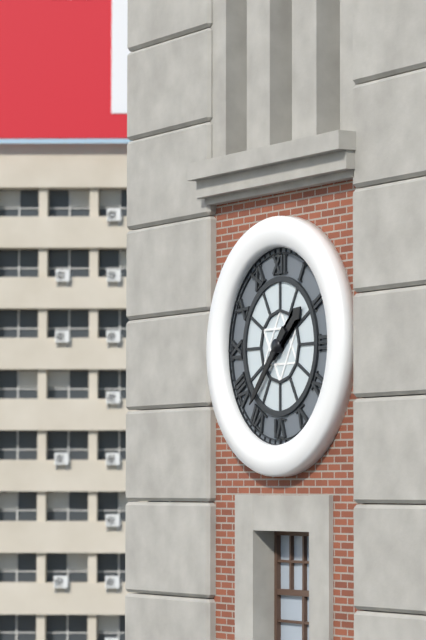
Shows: 1h37
